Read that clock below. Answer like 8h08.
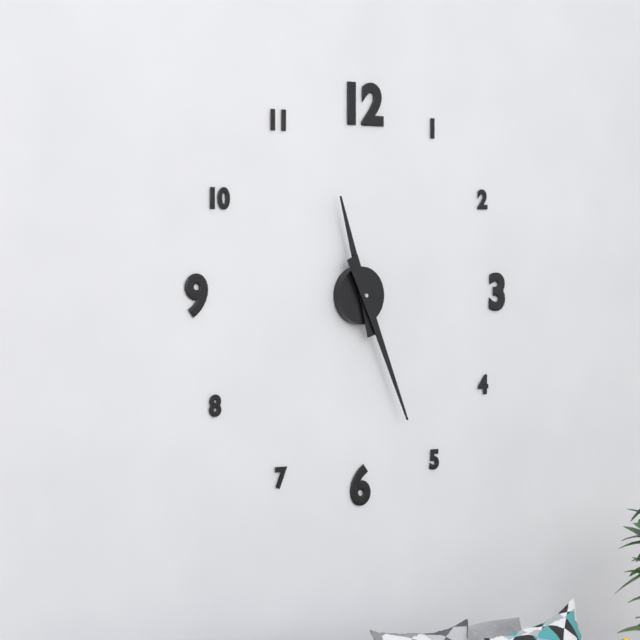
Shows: 11h26
